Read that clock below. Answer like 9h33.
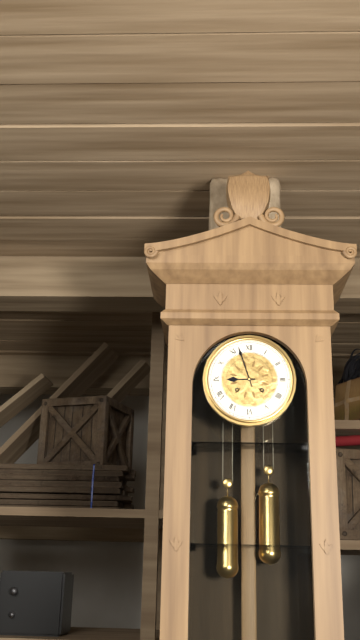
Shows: 8h57
